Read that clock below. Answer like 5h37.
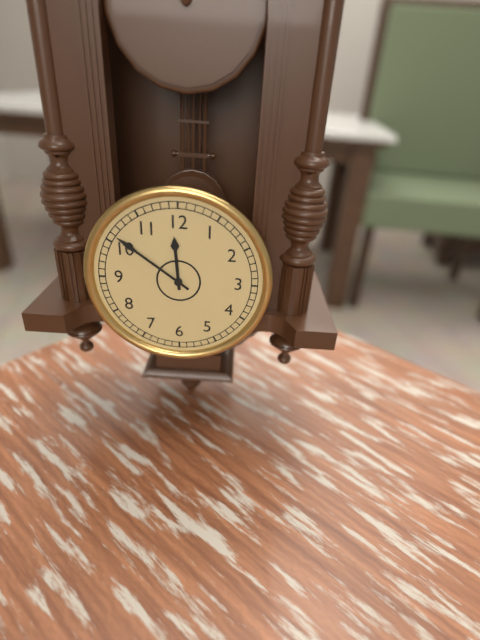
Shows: 11h51
